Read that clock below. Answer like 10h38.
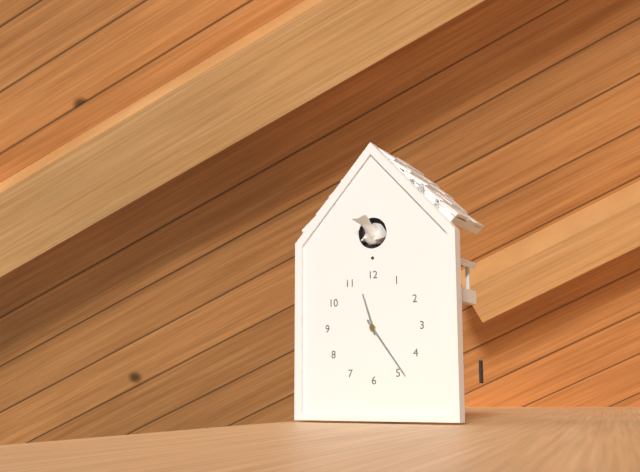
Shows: 11h24
